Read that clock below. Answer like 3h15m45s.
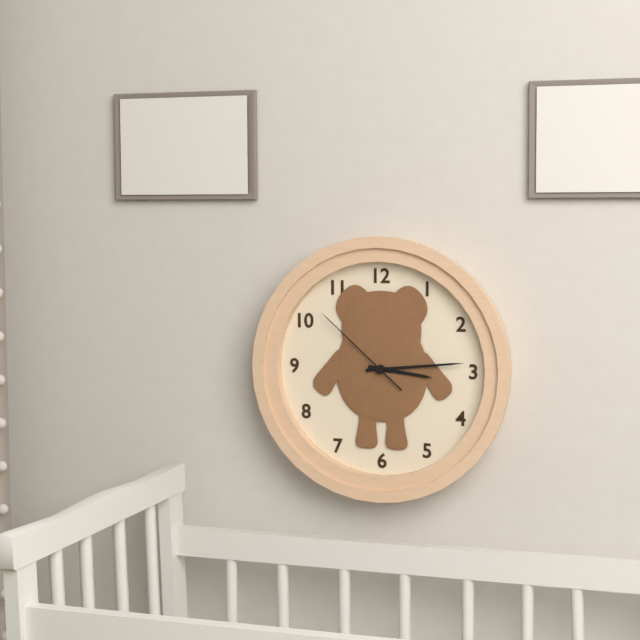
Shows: 3h14m52s
